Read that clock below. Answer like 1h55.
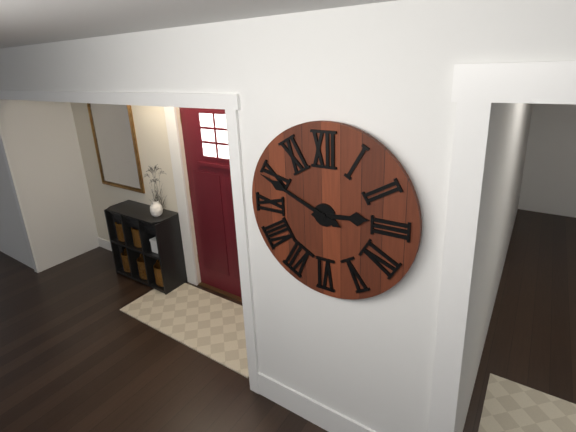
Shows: 2h49
